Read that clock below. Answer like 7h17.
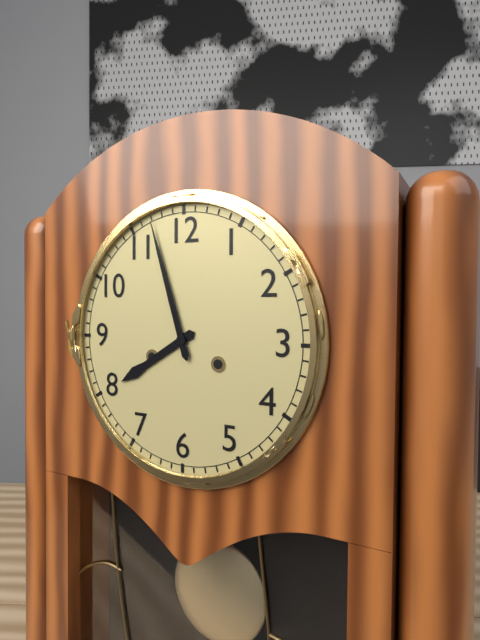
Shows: 7h57
